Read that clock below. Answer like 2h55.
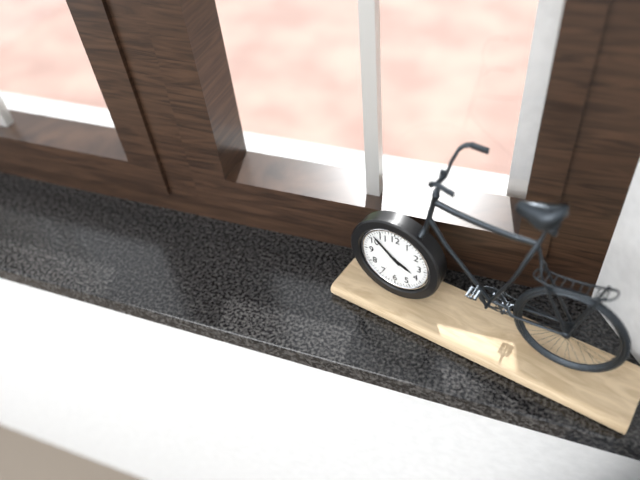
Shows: 3h52
